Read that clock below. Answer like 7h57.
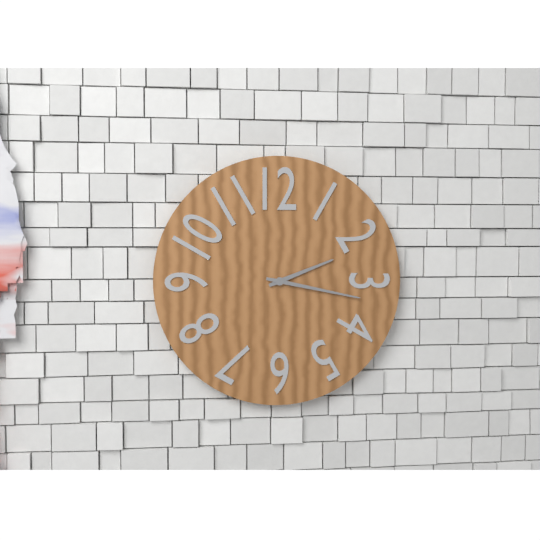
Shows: 2h17
